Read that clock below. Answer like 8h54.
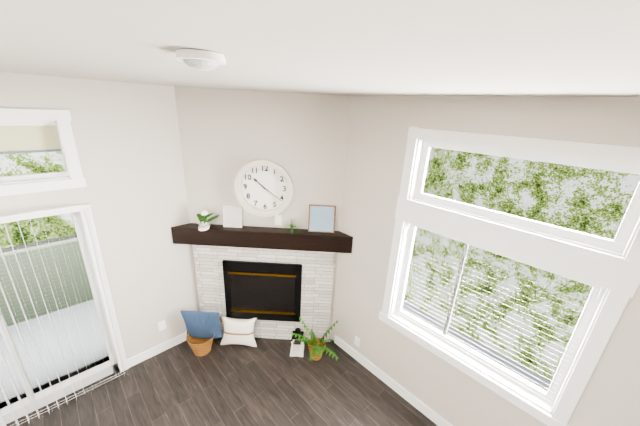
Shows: 10h21
